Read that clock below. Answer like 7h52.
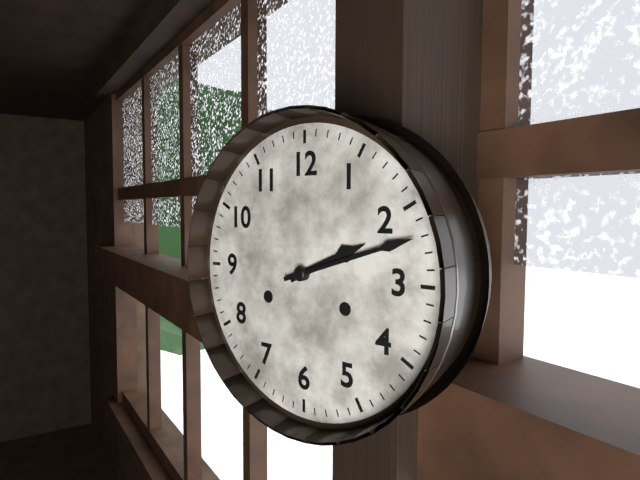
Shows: 2h12
